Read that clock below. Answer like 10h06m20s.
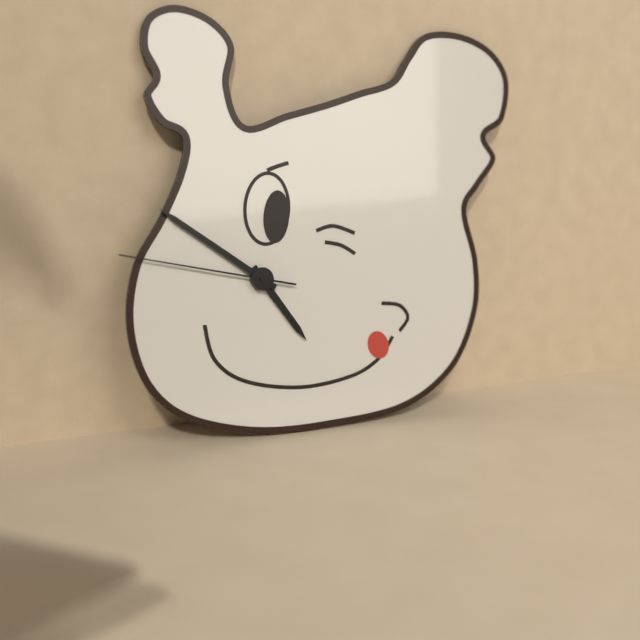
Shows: 4h51m47s
